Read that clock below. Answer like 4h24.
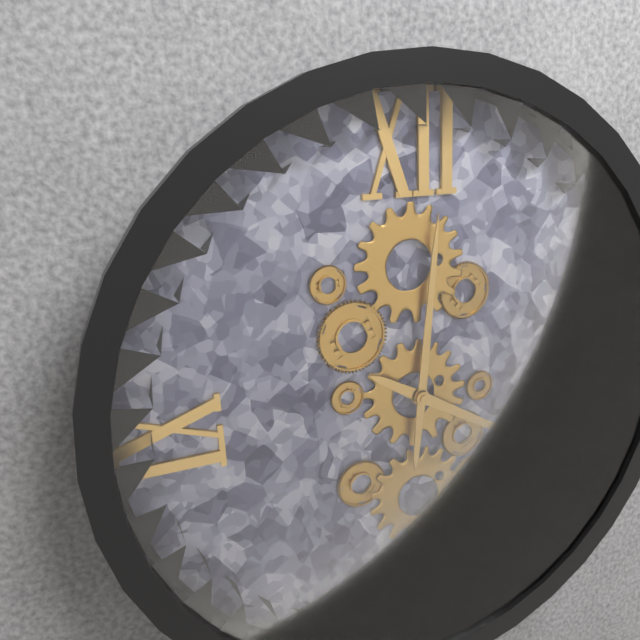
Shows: 4h01
